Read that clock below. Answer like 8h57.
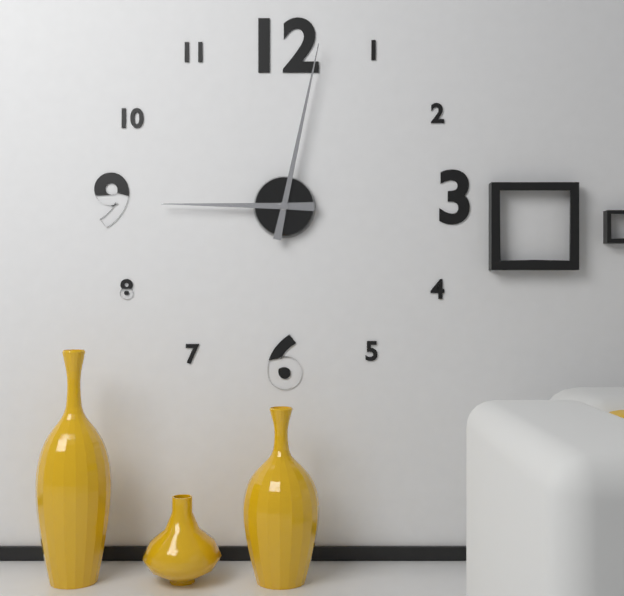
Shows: 9h02
